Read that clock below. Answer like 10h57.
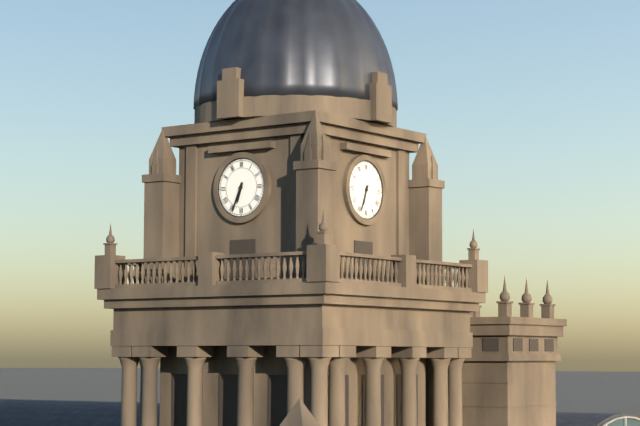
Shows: 6h34
